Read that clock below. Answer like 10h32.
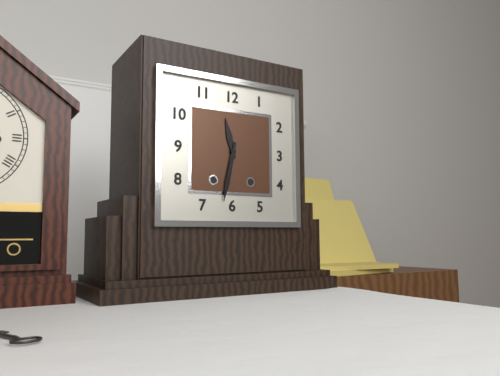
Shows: 11h32
